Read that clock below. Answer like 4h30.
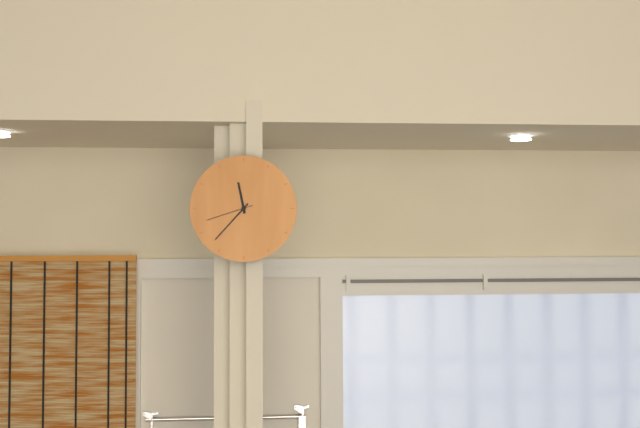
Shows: 11h37
